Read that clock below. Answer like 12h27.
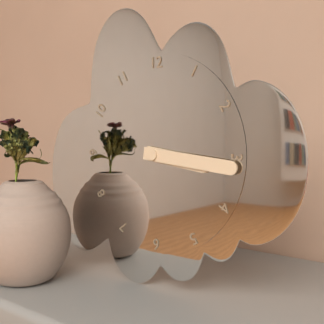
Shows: 3h16
